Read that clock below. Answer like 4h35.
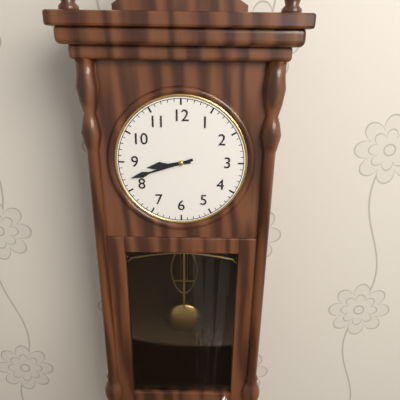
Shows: 8h42
